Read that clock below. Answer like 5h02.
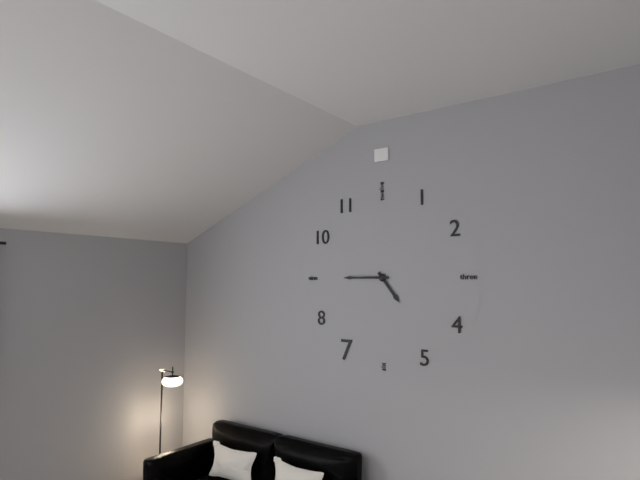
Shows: 4h45
